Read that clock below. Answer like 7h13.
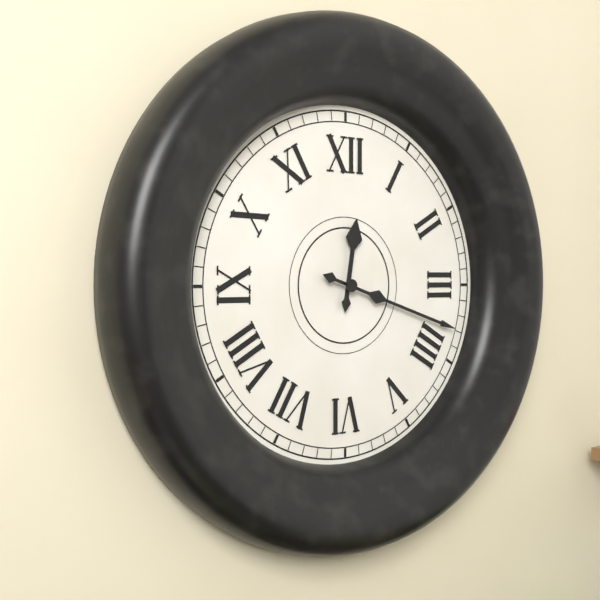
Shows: 12h18
